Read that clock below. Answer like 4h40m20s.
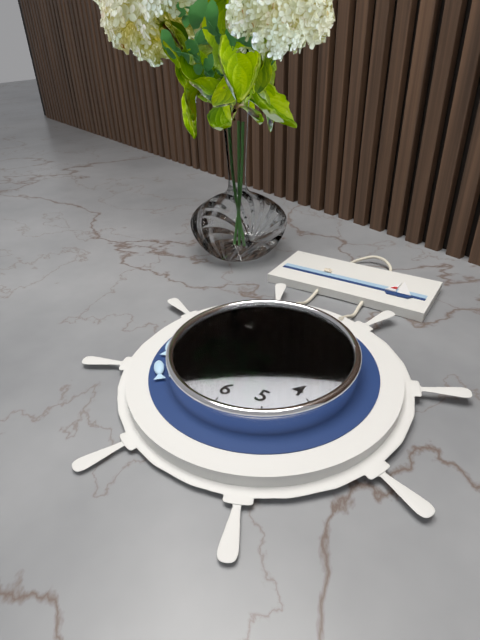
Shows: 3h33m11s
